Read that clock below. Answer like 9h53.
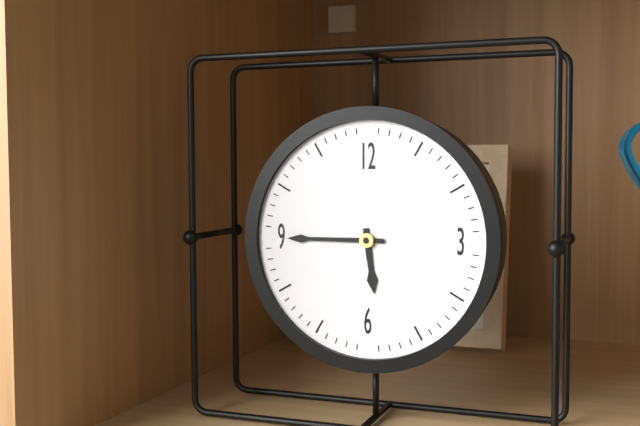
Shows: 5h45
